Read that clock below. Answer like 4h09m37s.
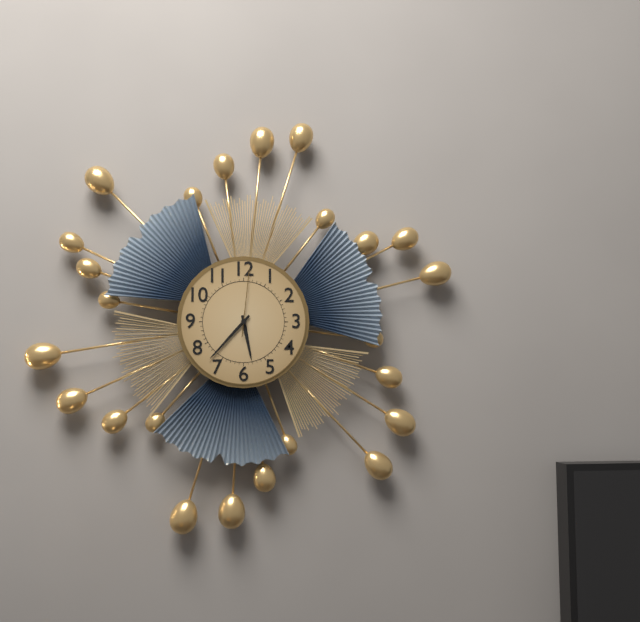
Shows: 5h37m01s
